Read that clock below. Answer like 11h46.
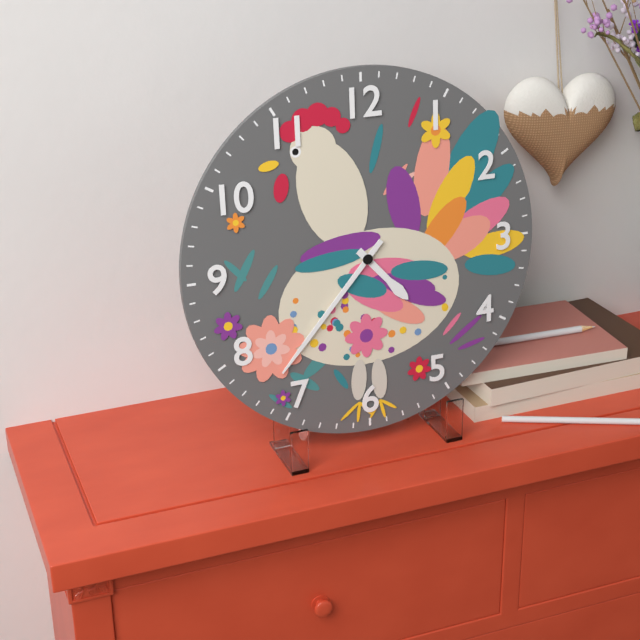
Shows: 4h37
